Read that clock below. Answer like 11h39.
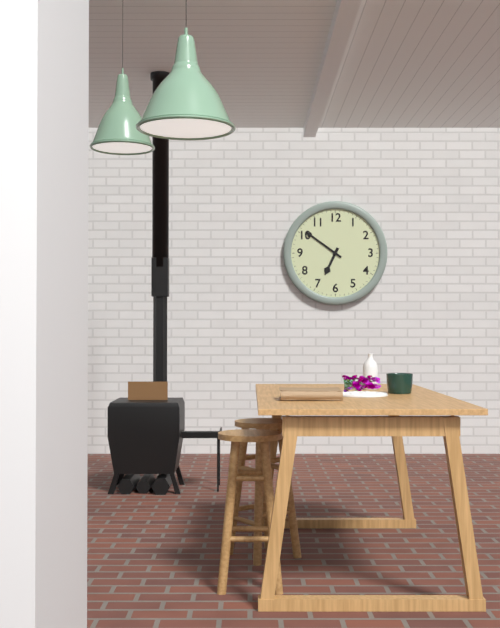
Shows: 6h51
